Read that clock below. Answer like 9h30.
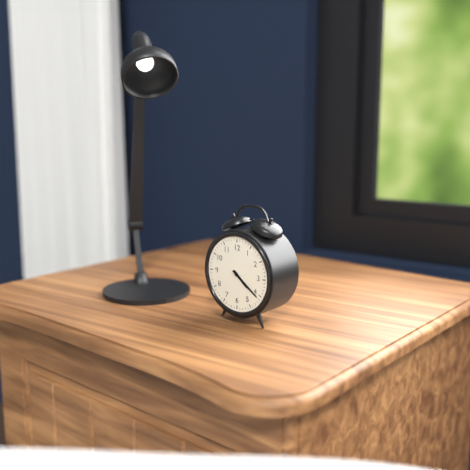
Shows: 4h21
